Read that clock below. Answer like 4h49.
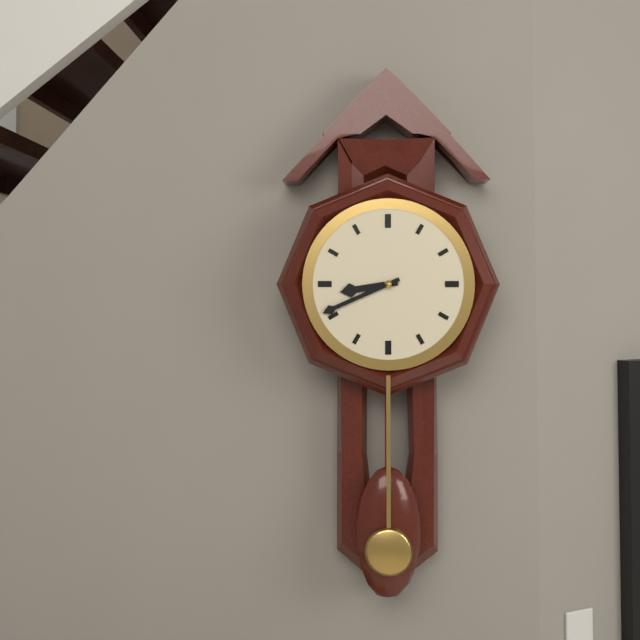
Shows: 8h41
